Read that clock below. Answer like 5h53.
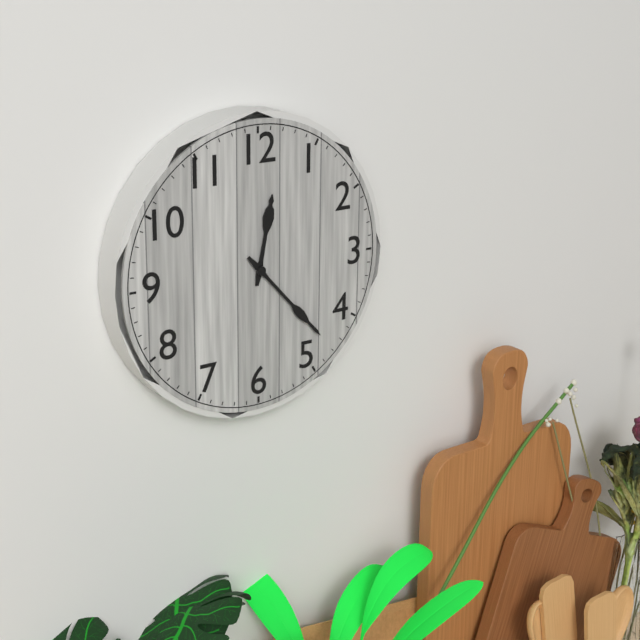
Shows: 12h23
